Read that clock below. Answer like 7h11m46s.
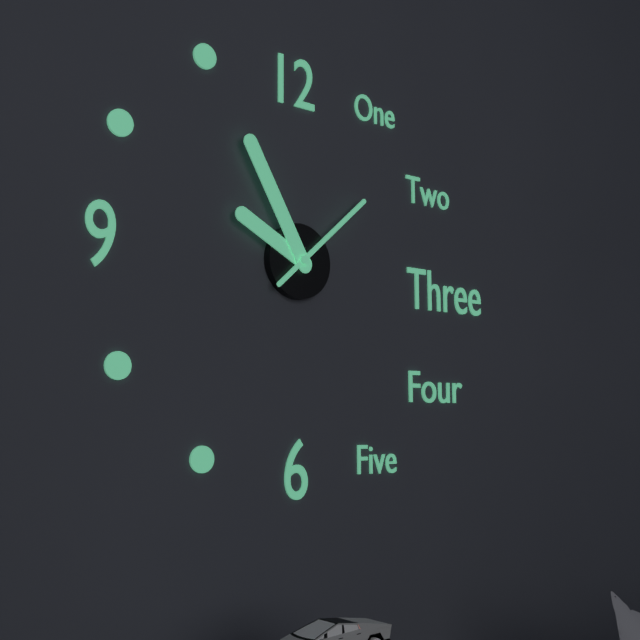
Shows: 9h55m08s
